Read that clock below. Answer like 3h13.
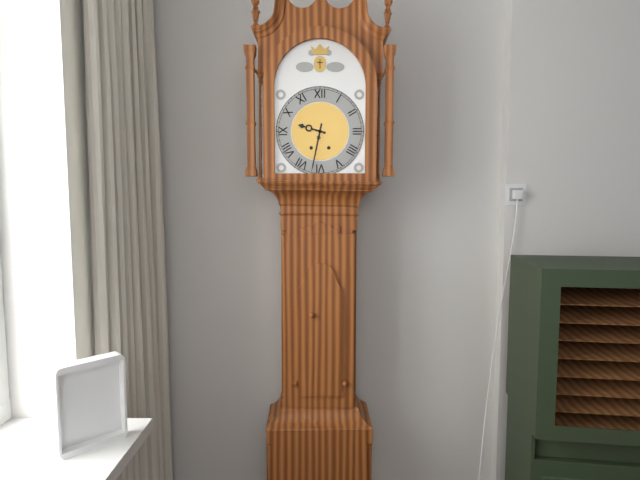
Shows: 9h32
